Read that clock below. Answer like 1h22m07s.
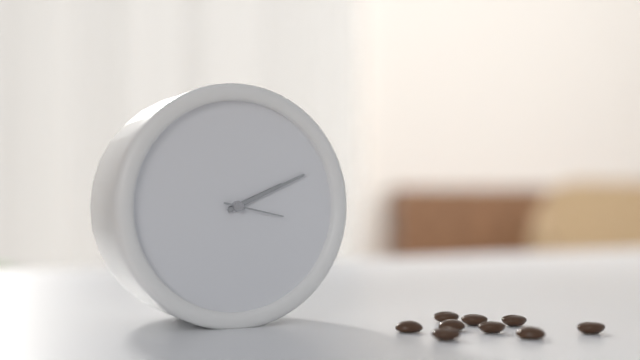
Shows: 2h11m17s
